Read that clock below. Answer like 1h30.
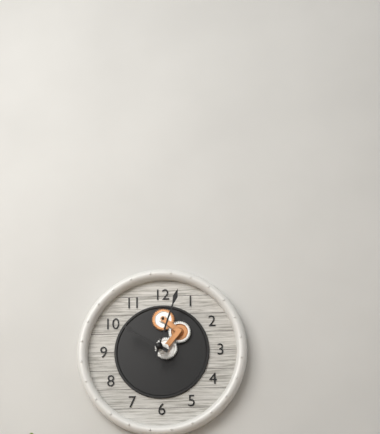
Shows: 10h03
